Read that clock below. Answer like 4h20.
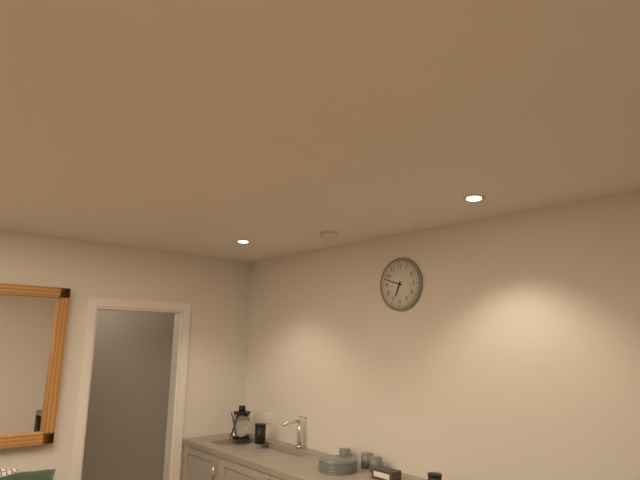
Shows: 6h48
